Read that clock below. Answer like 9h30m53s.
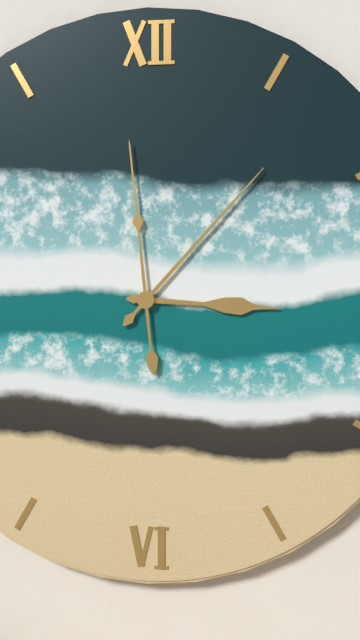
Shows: 3h07m59s
